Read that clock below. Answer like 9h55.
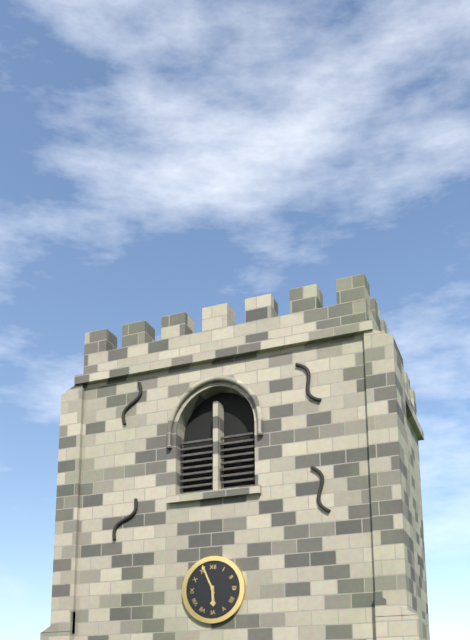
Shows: 5h56
